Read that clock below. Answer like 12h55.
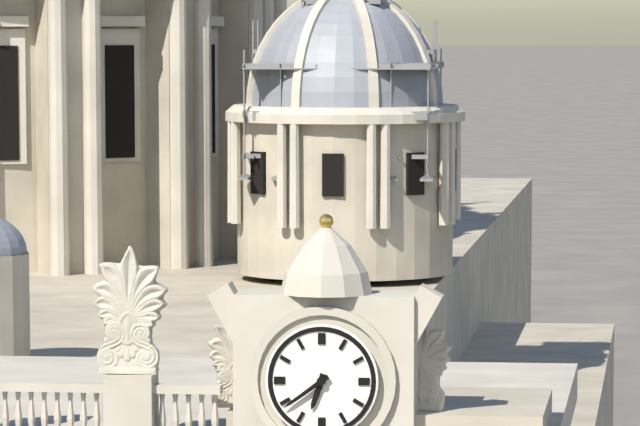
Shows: 6h39
